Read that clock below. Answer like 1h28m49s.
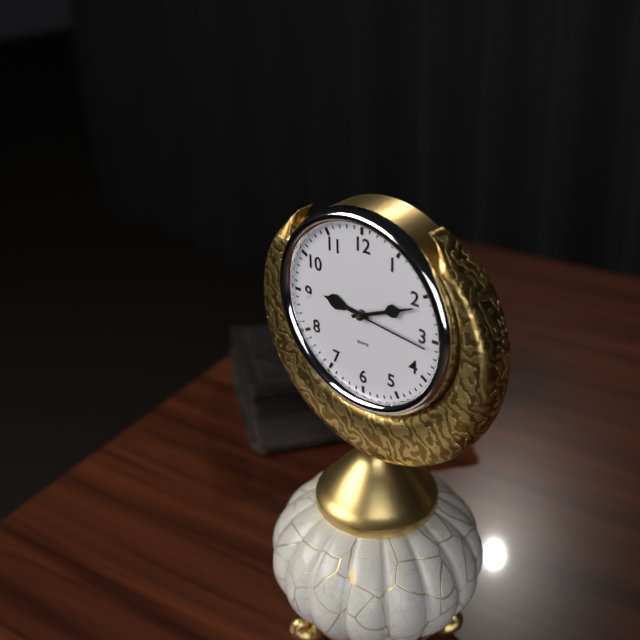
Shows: 9h11m16s
